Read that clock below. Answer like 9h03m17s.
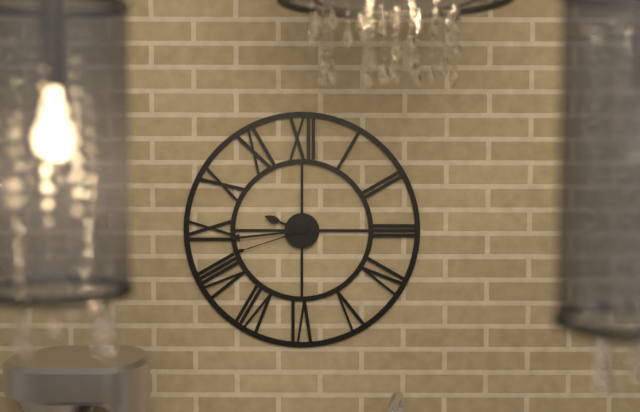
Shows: 9h44m42s
